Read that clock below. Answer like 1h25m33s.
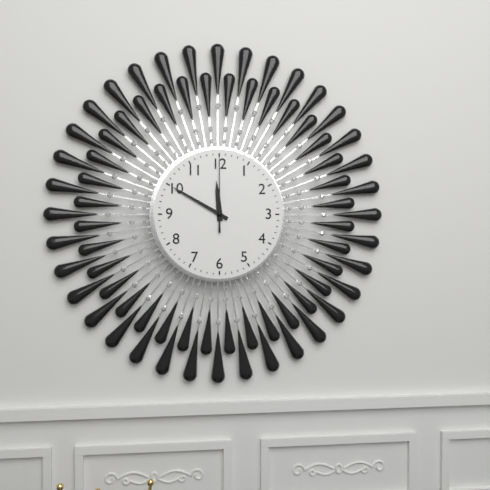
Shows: 11h50m00s
